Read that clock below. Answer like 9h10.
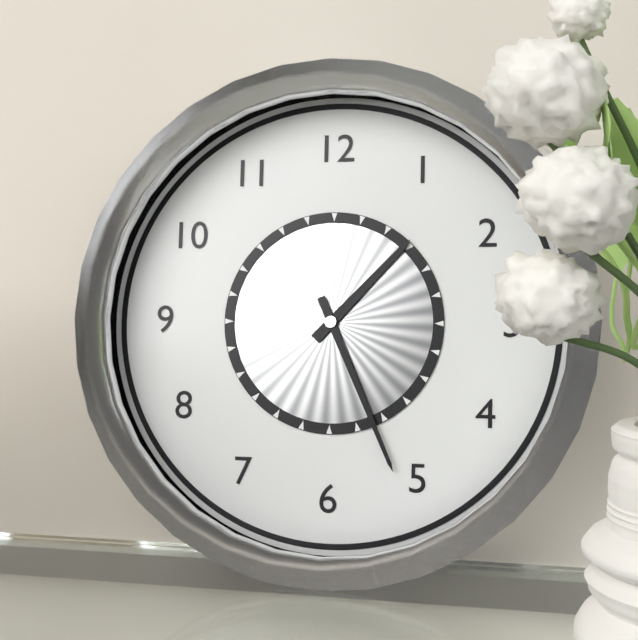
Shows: 1h26
